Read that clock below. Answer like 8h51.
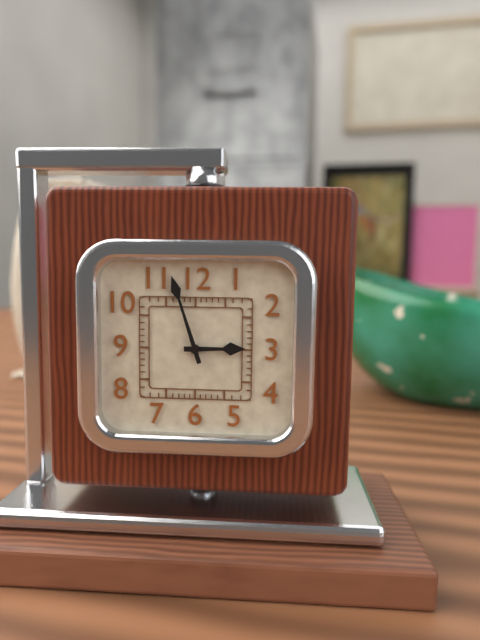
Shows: 2h57
